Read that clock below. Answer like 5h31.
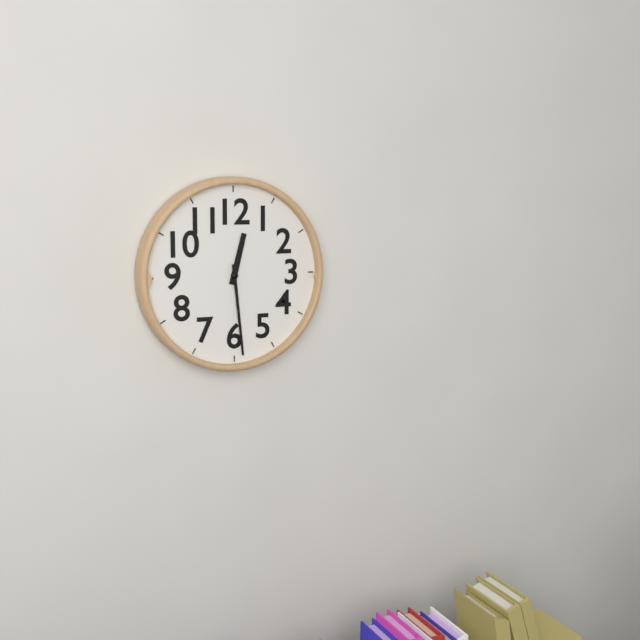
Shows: 12h29
